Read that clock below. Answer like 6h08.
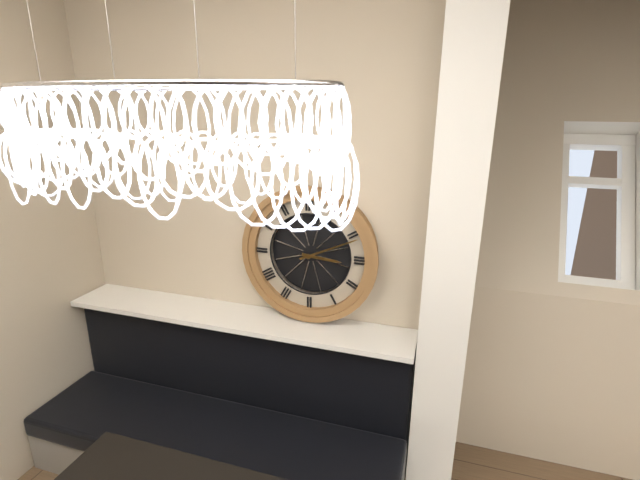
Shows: 3h11
